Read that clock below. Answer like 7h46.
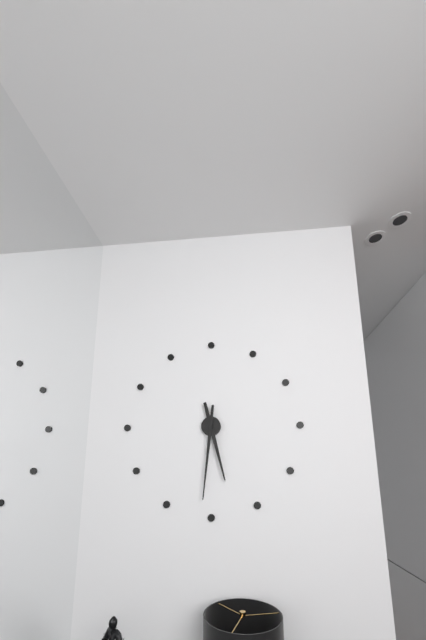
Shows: 5h31
